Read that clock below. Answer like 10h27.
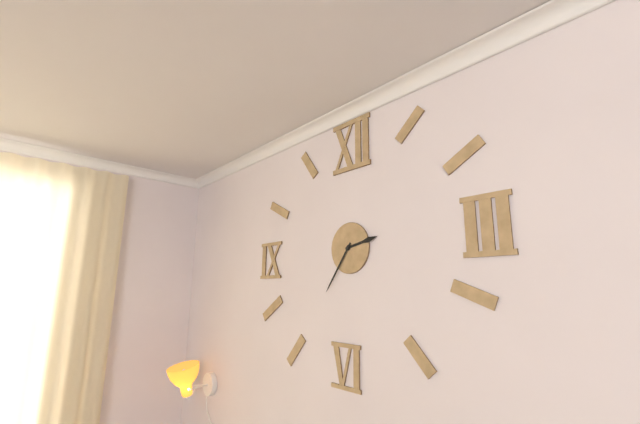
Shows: 2h36
